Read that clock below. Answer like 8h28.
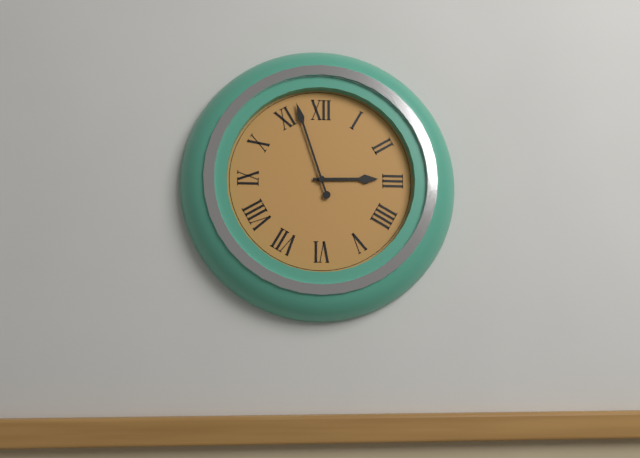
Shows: 2h57
